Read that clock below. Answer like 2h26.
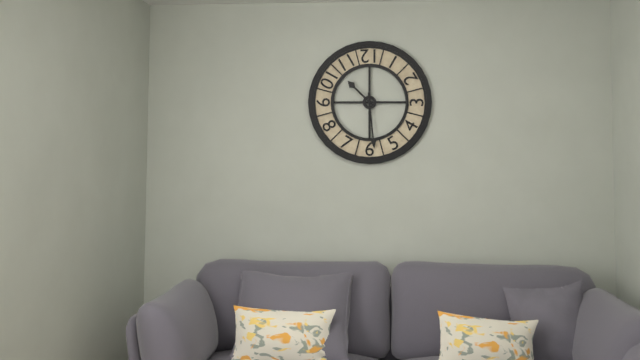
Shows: 10h29
